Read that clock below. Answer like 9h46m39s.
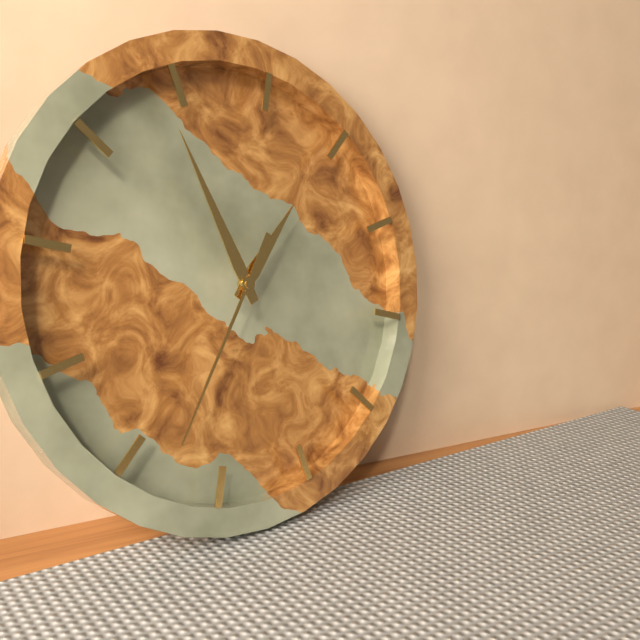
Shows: 12h54m33s
